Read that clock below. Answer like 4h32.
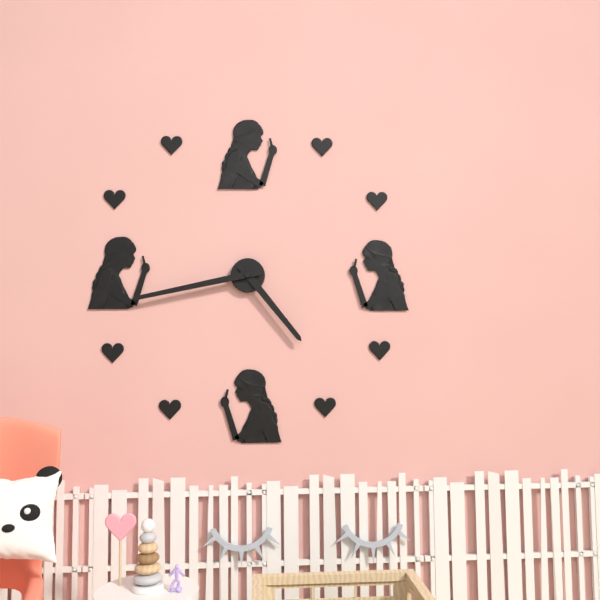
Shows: 4h43
